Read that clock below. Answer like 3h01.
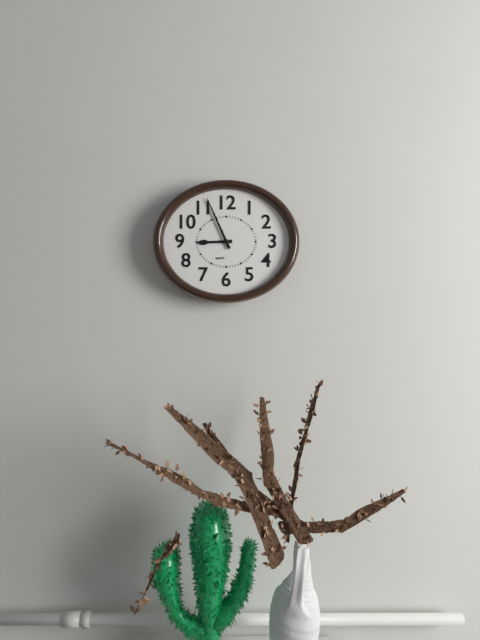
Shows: 8h56
